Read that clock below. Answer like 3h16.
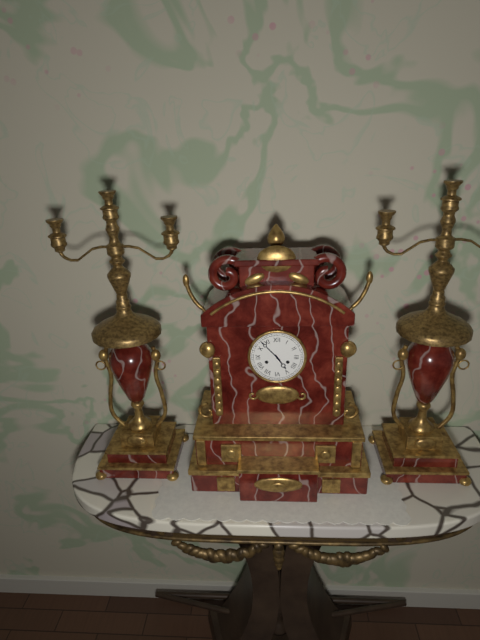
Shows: 4h53
